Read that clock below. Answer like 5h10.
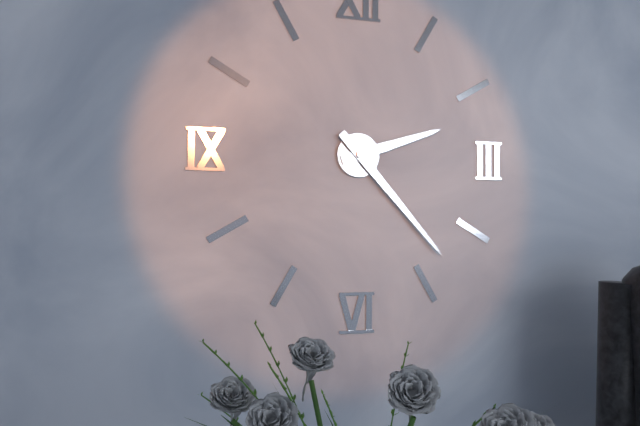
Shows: 2h23
